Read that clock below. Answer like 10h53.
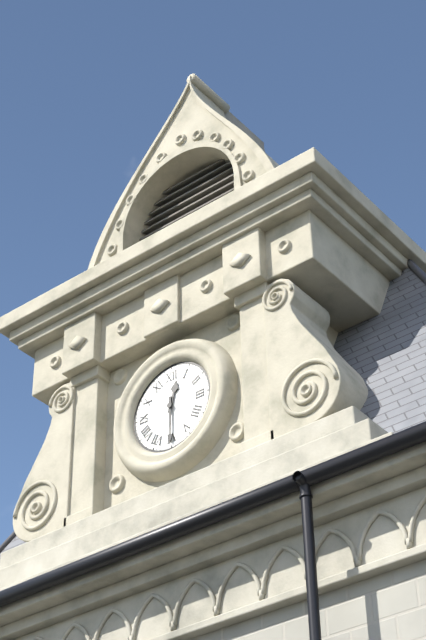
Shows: 12h30
